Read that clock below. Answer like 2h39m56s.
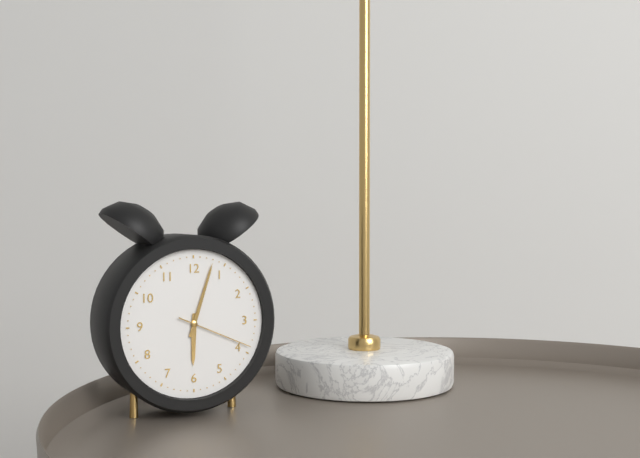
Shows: 6h03m19s
